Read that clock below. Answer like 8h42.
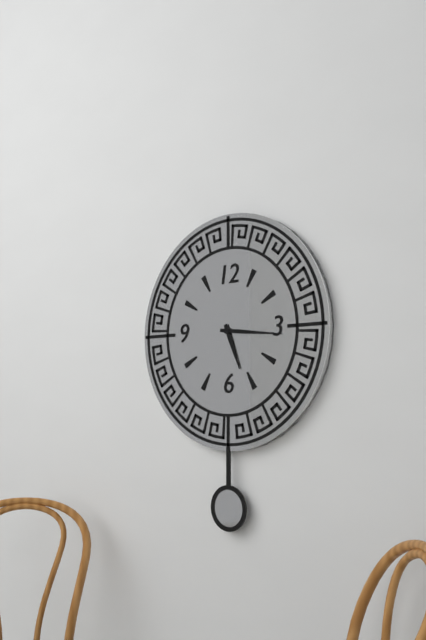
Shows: 5h16
